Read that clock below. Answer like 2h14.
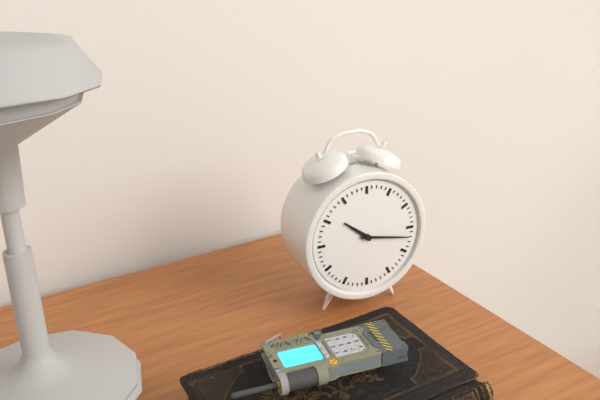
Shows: 10h17
